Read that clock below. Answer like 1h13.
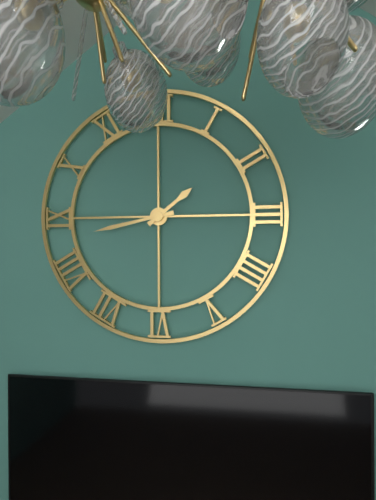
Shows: 1h43
